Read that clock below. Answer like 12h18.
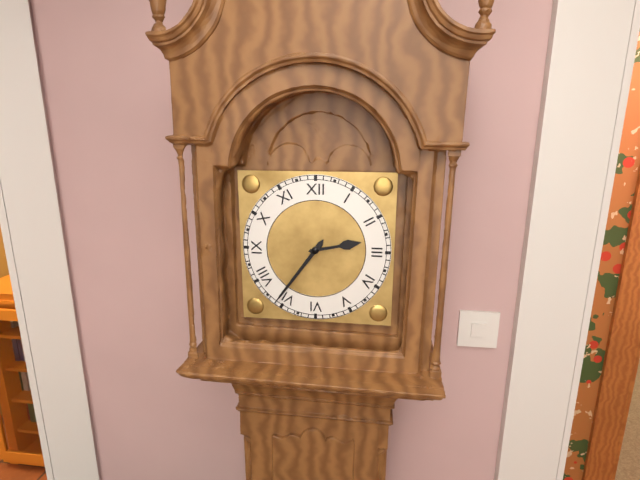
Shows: 2h36
